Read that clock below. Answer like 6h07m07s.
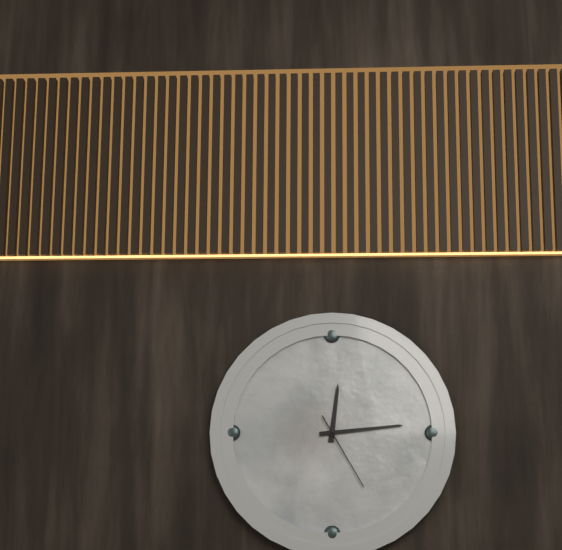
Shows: 12h14m25s
